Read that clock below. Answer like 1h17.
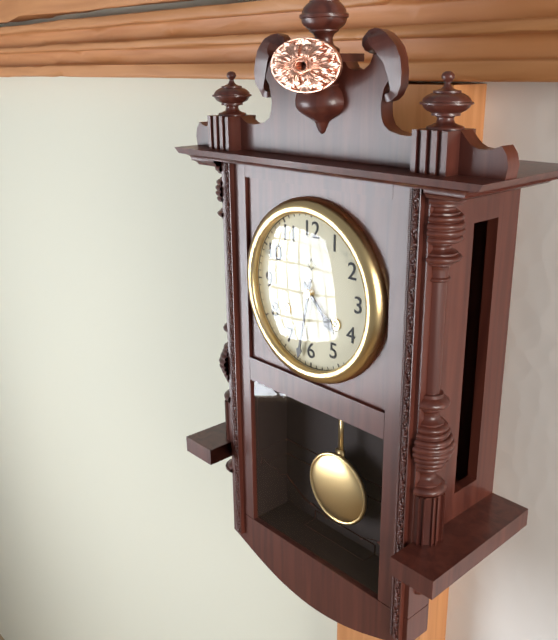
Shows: 4h32
